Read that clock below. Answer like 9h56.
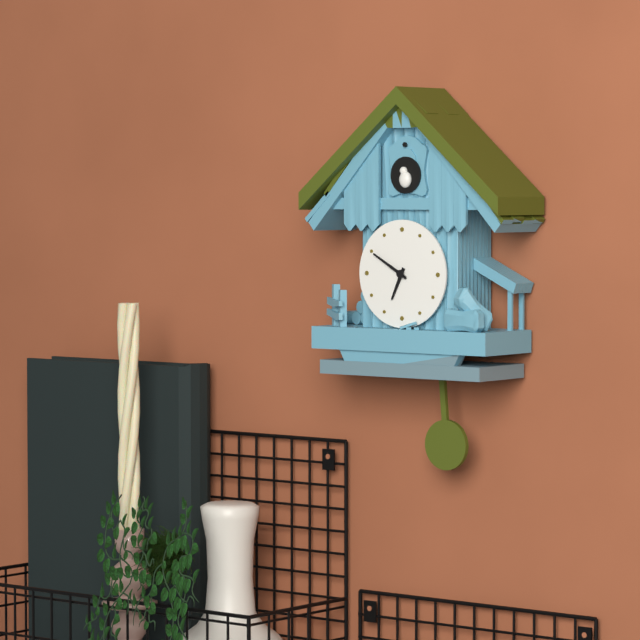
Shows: 6h50
